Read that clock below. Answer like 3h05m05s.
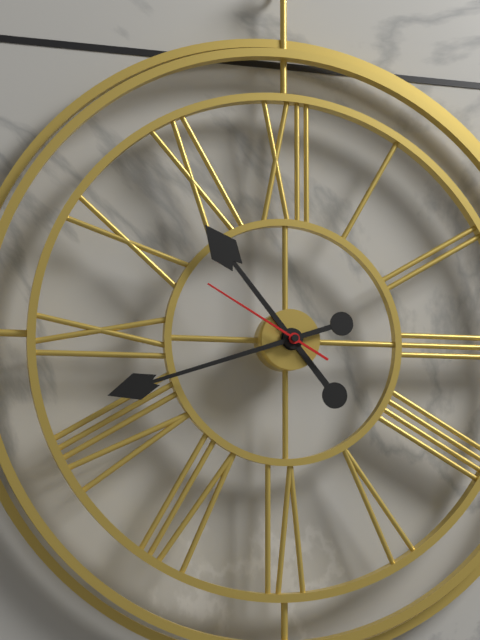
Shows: 10h42m50s
